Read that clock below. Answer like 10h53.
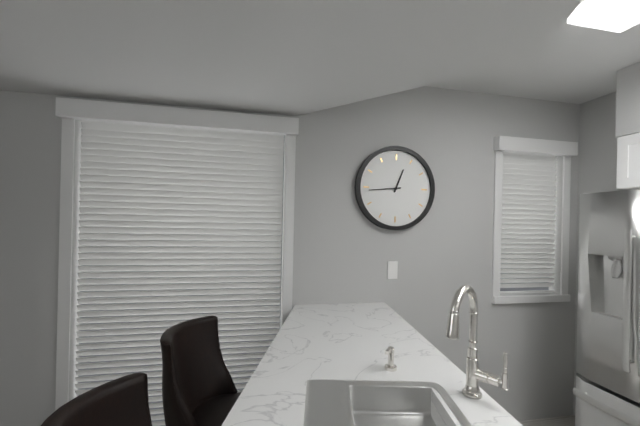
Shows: 12h44
